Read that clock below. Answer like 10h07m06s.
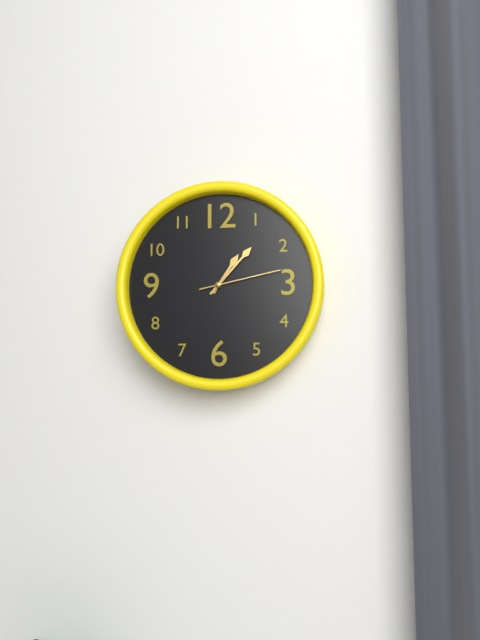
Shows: 1h07m13s
